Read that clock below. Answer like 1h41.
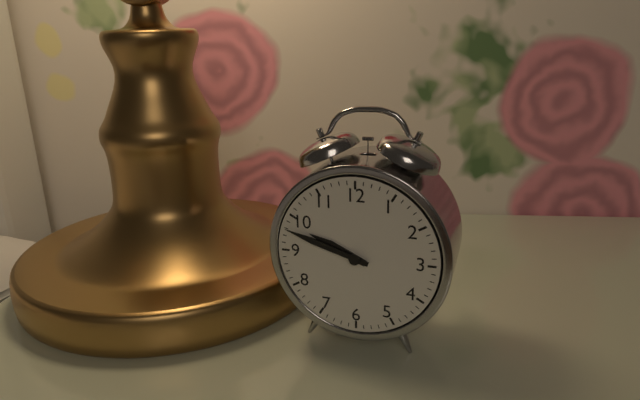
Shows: 9h48
